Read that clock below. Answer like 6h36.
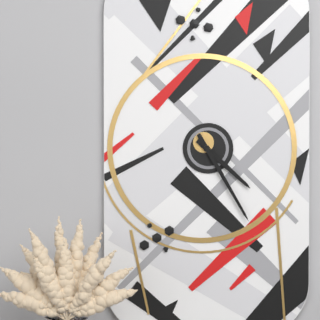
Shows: 4h25
